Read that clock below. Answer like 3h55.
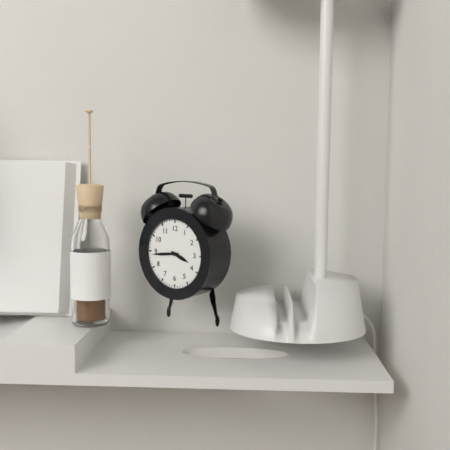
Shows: 3h44
